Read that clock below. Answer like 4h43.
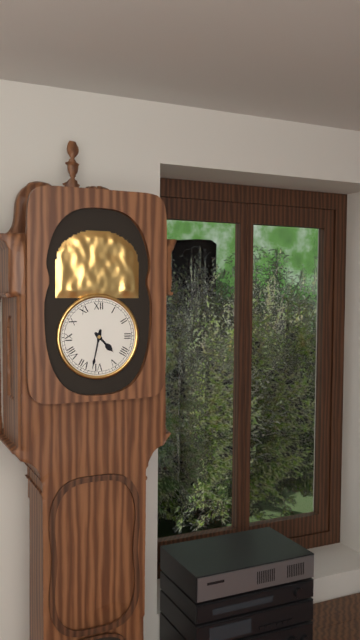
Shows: 4h32
